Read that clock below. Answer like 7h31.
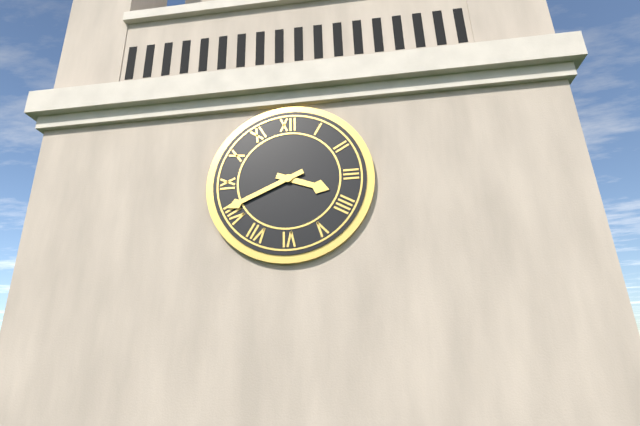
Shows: 3h41
